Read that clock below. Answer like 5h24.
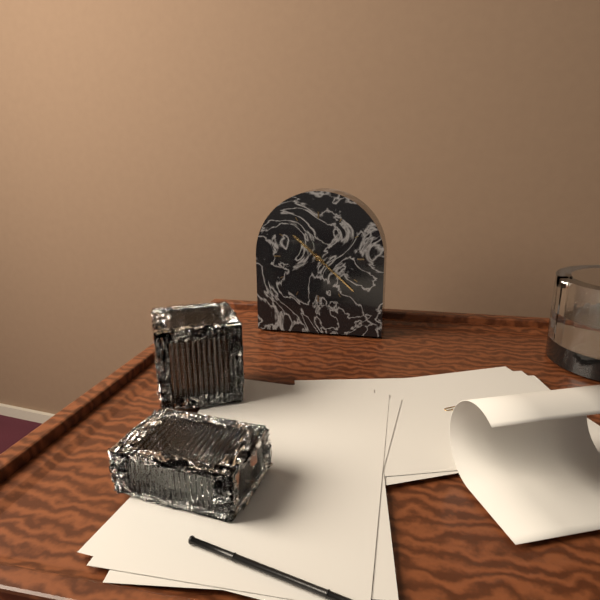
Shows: 10h22
